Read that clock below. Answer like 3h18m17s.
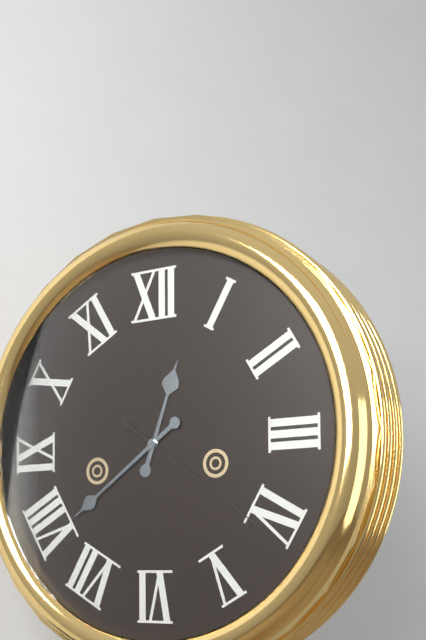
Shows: 12h39m21s
